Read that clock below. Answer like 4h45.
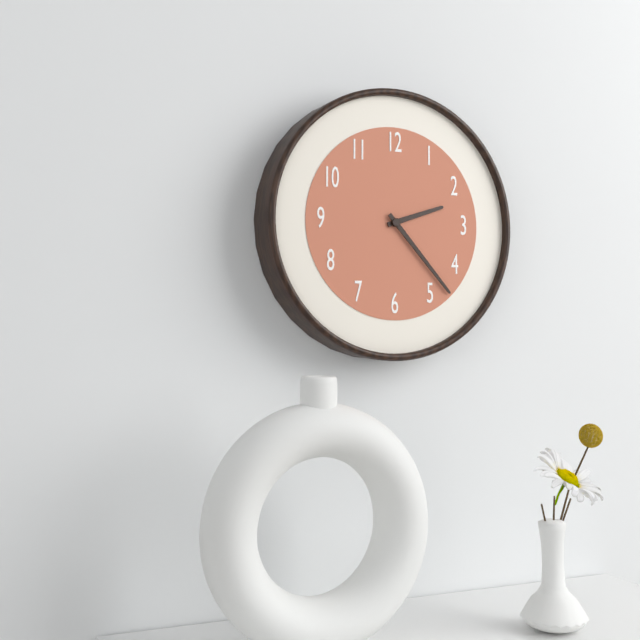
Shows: 2h23
